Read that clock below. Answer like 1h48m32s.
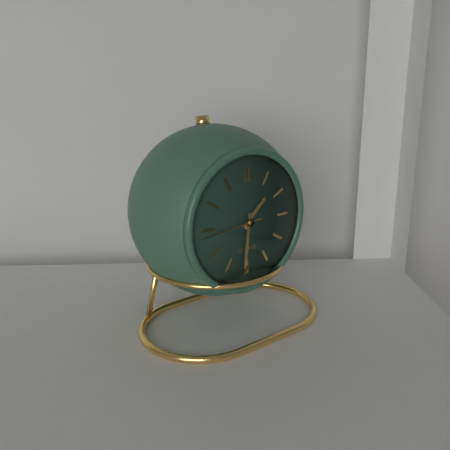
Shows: 1h31m44s
